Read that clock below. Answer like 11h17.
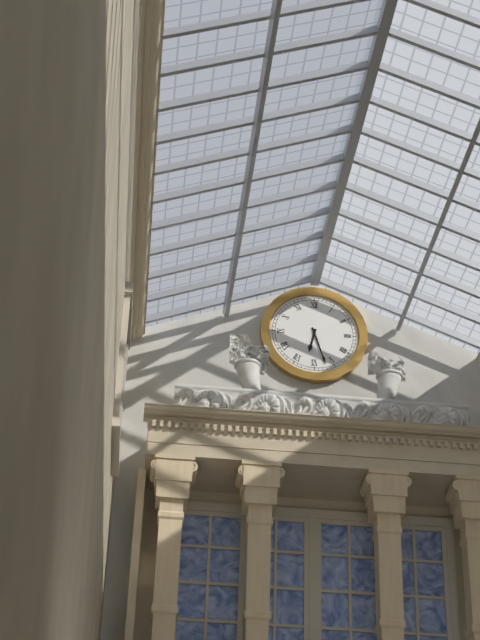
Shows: 6h27
